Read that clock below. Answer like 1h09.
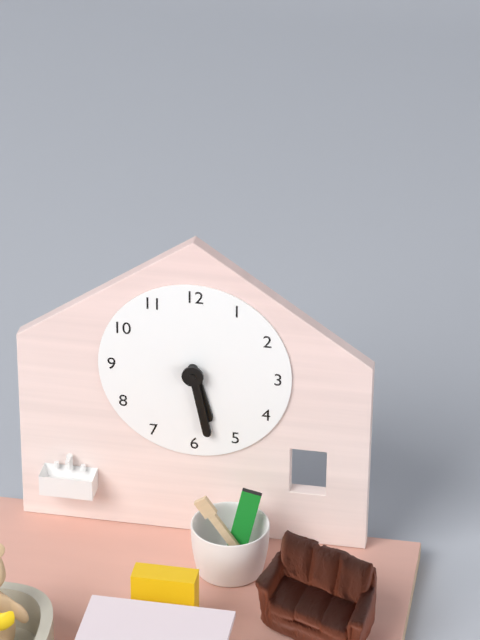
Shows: 5h28
